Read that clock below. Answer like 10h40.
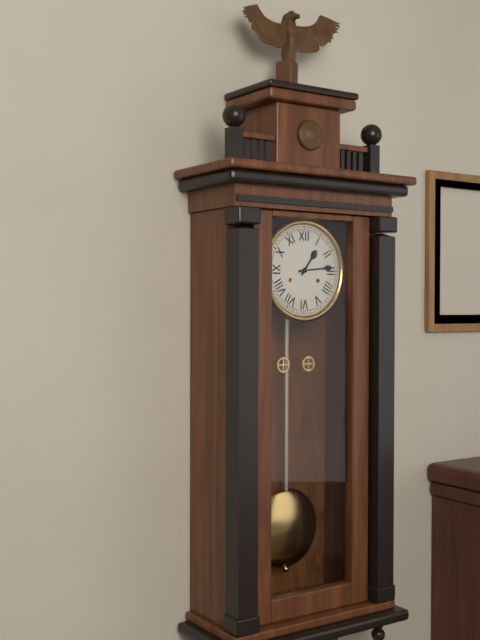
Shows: 1h14
